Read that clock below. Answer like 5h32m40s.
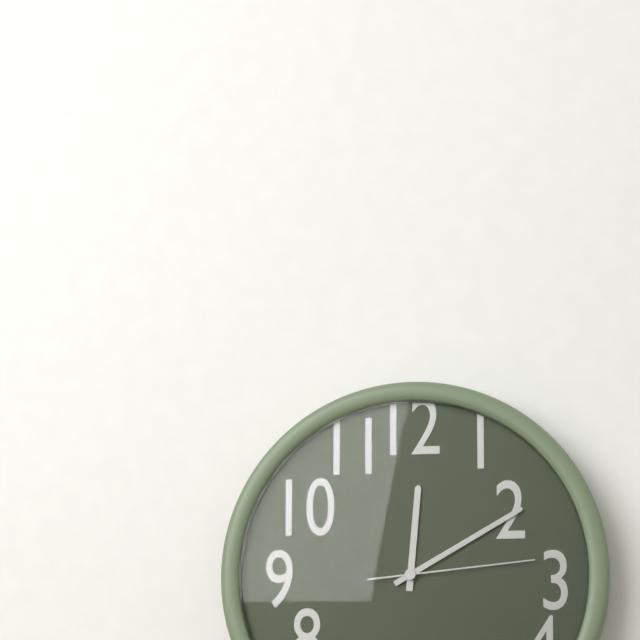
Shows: 12h10m14s
